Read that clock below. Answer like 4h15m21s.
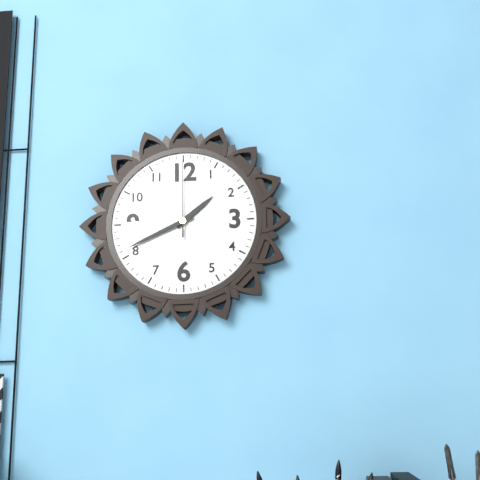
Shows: 1h41m00s
